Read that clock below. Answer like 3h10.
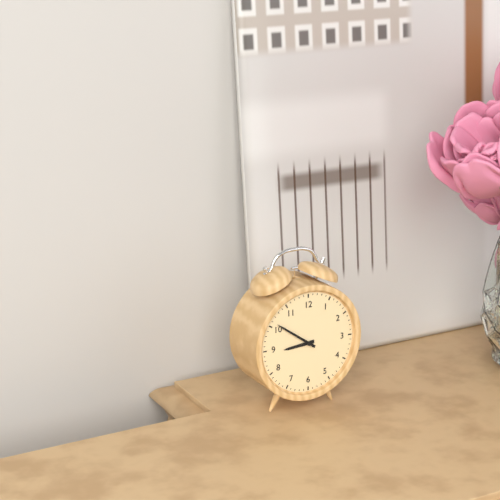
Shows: 8h51
